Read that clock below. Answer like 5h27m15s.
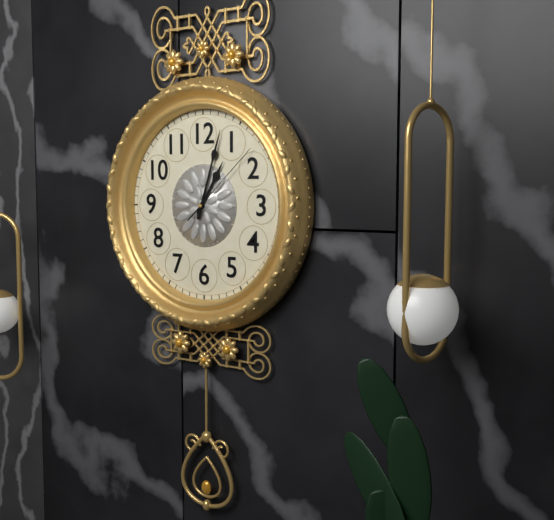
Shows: 1h03m08s
